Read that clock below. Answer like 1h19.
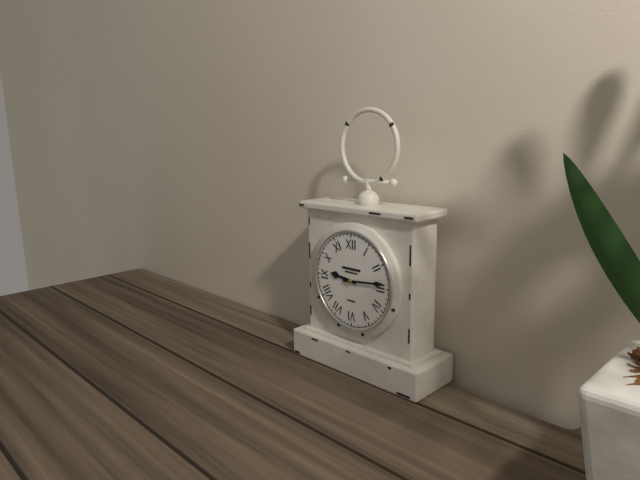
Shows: 9h14
